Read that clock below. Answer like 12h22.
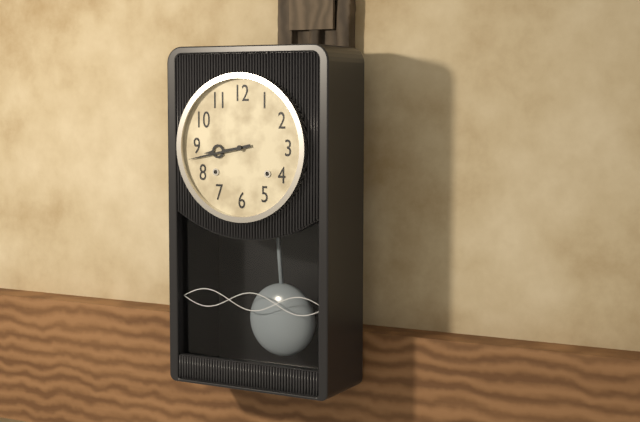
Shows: 8h43
